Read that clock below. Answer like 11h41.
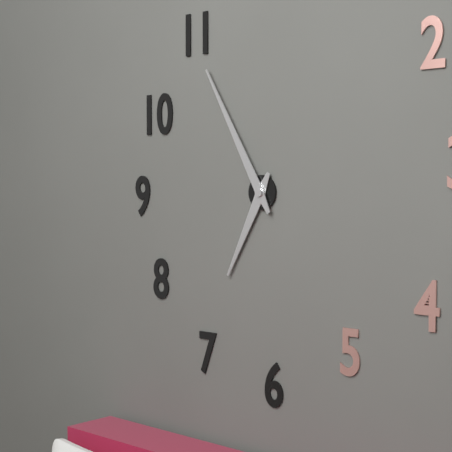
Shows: 6h55
